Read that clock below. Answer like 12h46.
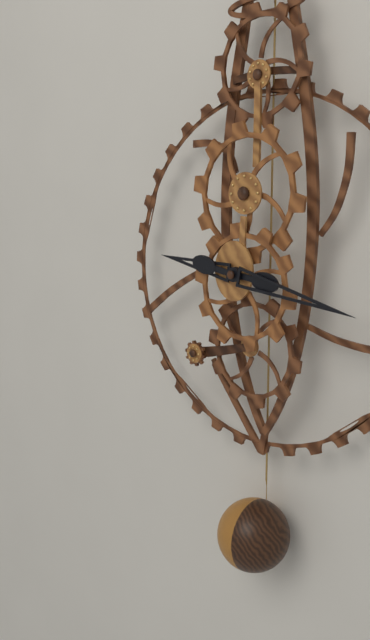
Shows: 9h17
